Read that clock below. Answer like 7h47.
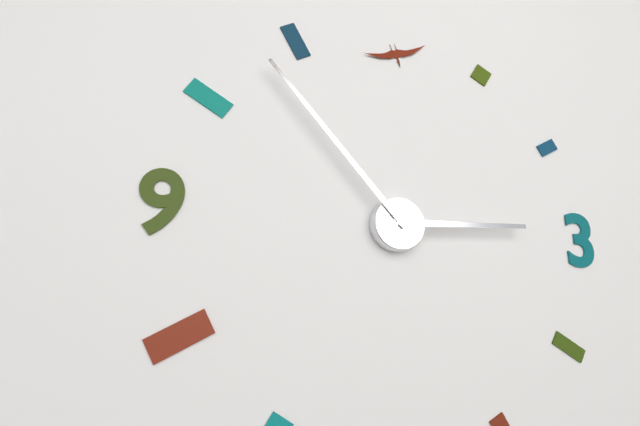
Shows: 2h53
